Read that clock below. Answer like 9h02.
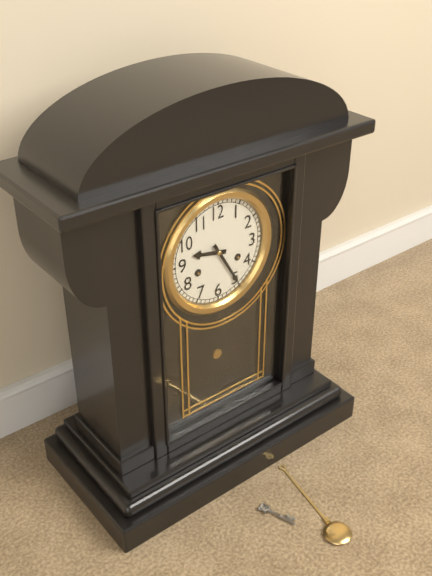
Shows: 9h25
